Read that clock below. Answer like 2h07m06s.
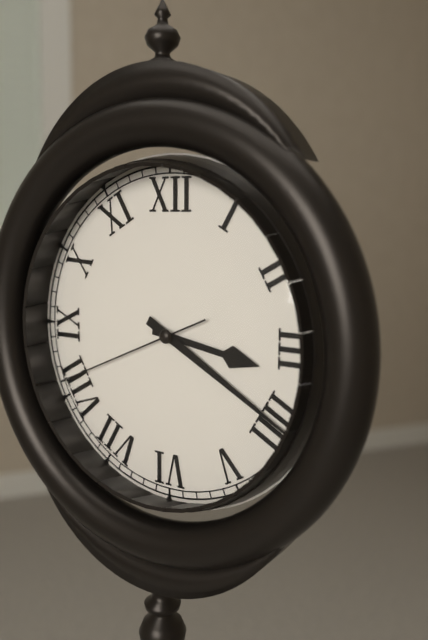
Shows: 3h20m41s
